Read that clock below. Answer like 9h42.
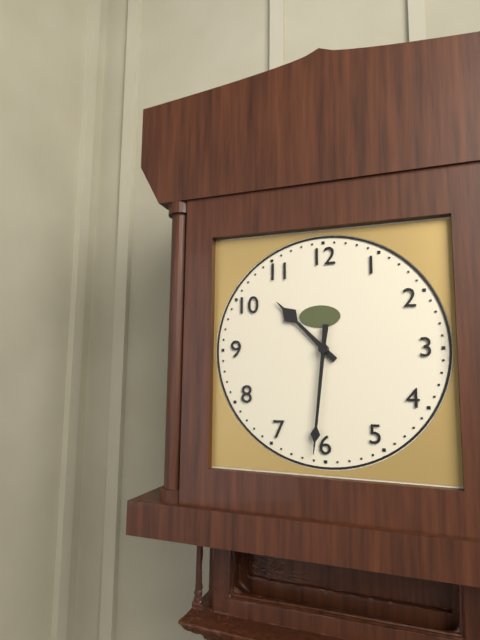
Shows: 10h31
